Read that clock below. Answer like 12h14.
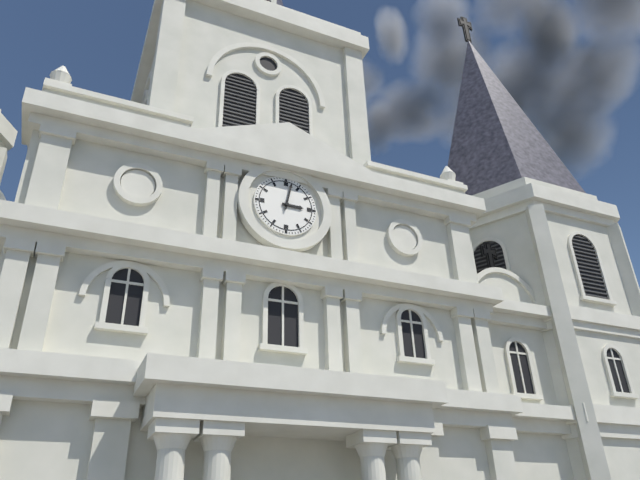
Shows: 3h02
